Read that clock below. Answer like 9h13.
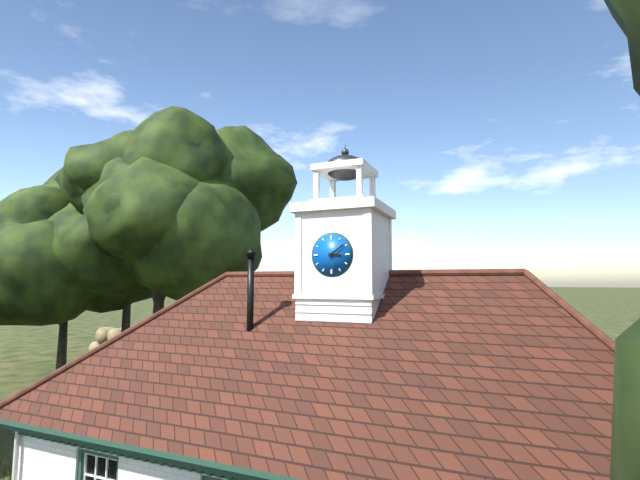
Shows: 3h09
